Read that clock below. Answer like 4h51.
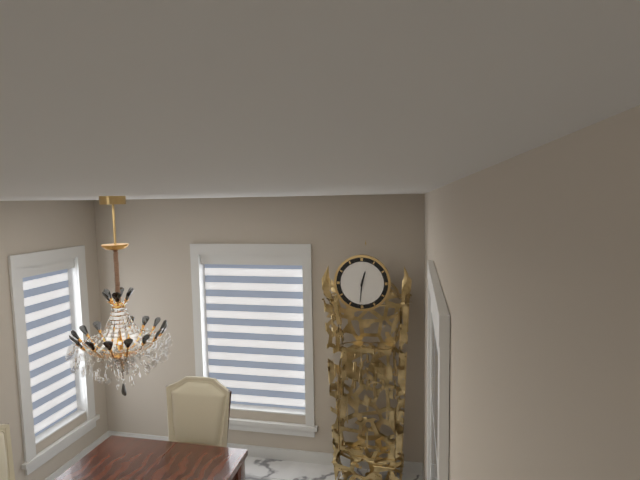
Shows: 12h31
